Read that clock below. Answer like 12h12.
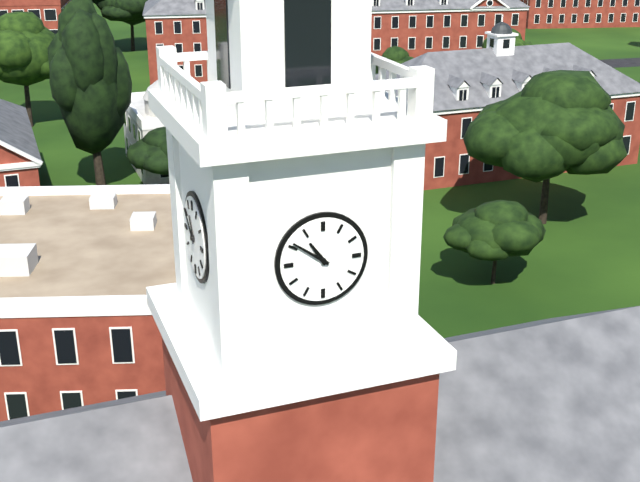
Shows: 10h51
